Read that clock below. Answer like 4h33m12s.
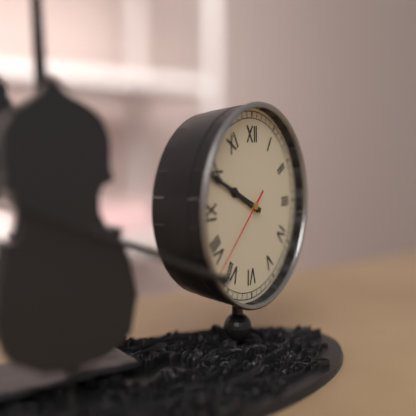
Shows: 9h49m38s
